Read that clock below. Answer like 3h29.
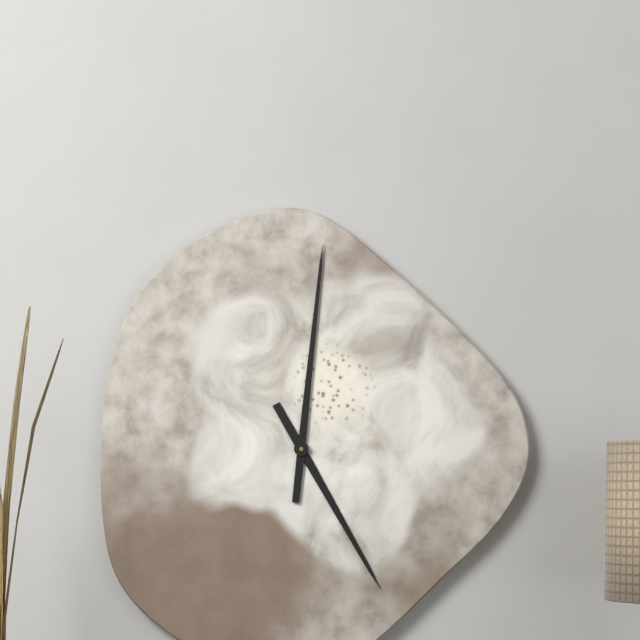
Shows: 5h01
